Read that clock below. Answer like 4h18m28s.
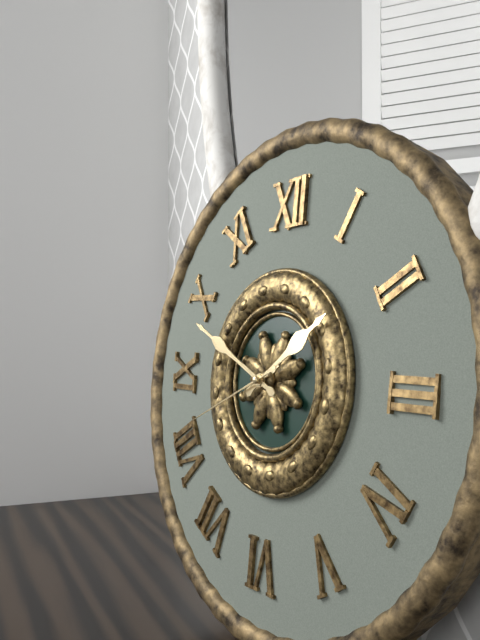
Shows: 1h49m41s
